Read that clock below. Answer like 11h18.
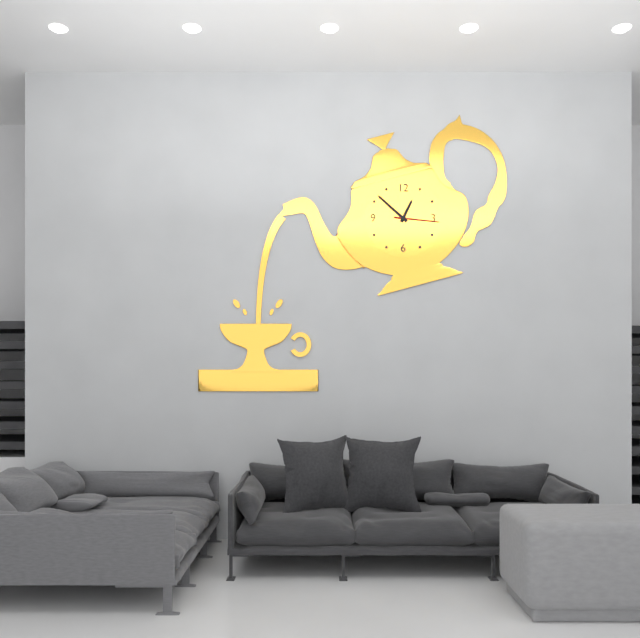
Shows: 12h52
